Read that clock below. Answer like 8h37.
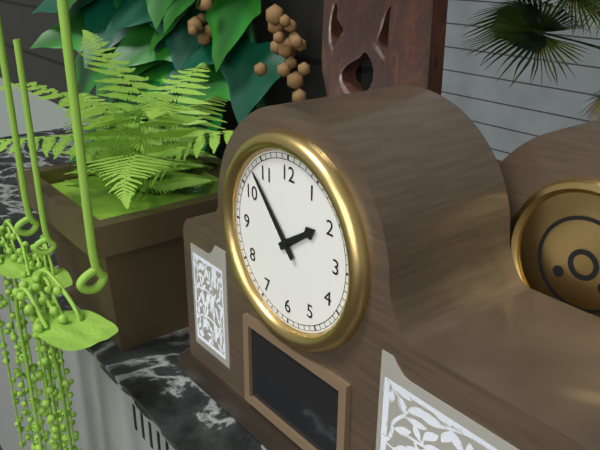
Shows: 1h53
